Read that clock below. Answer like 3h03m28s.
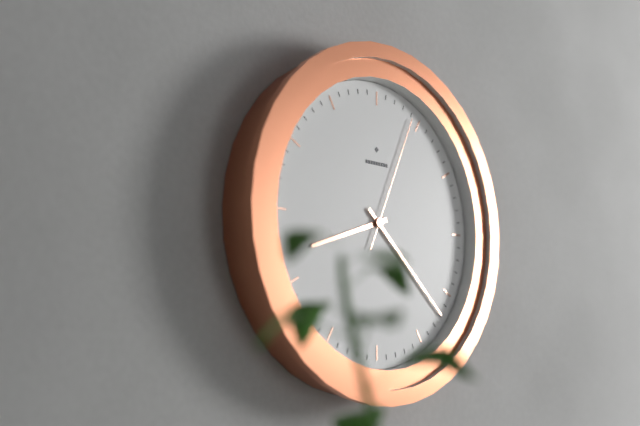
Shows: 8h22m04s
